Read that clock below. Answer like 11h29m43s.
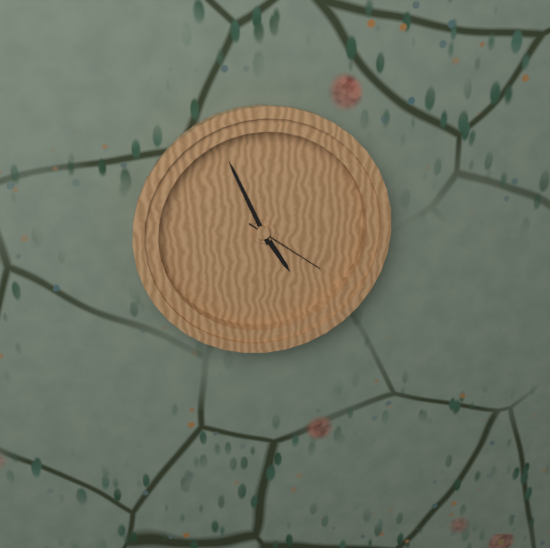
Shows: 4h56m21s
